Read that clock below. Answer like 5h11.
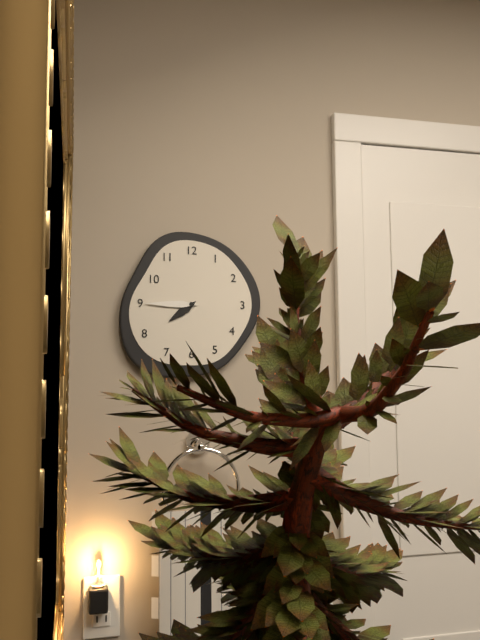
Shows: 7h45
